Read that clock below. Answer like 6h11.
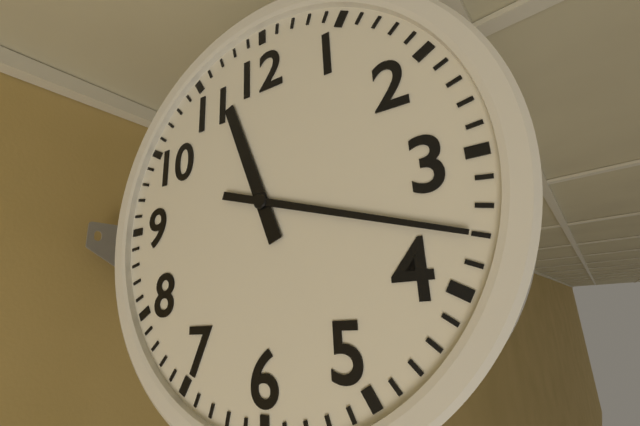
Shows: 11h18
